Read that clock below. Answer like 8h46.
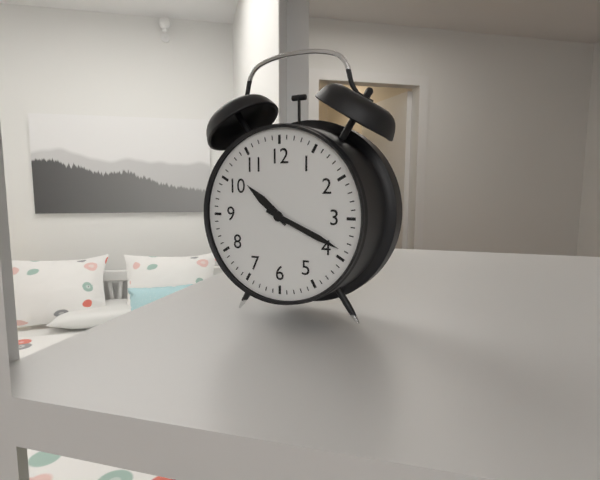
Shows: 10h19
